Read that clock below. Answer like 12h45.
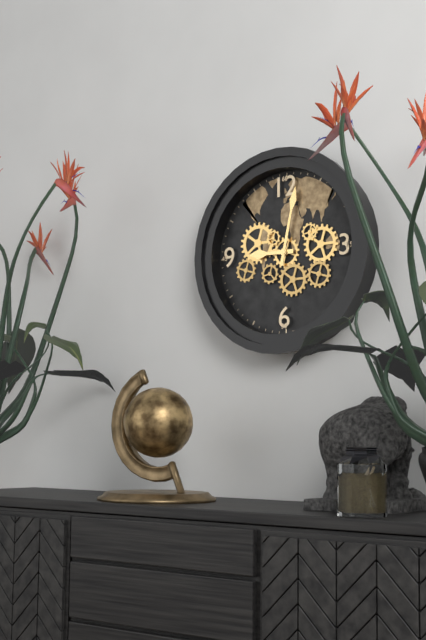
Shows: 9h02
